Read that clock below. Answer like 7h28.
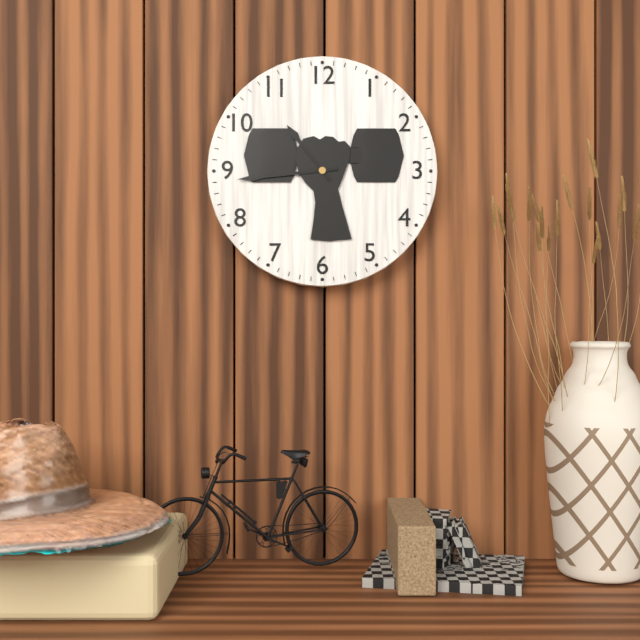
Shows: 10h44
